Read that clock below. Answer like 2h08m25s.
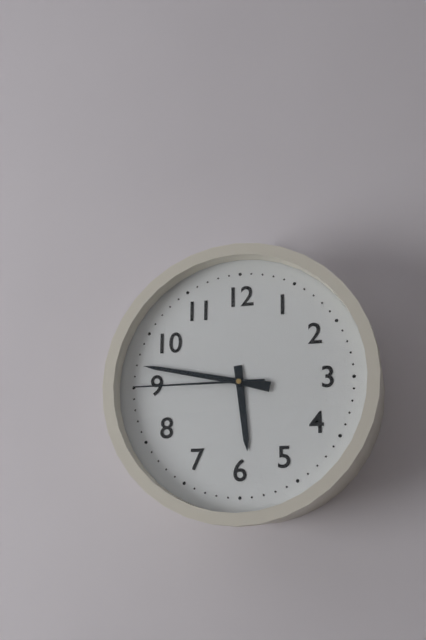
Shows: 5h47m45s
